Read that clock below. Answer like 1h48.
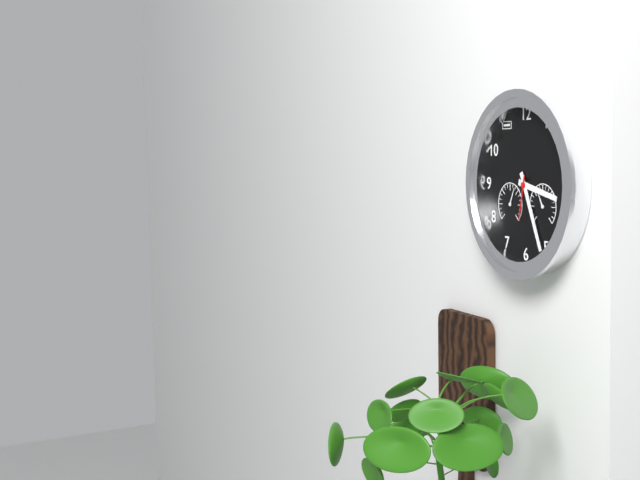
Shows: 3h26
